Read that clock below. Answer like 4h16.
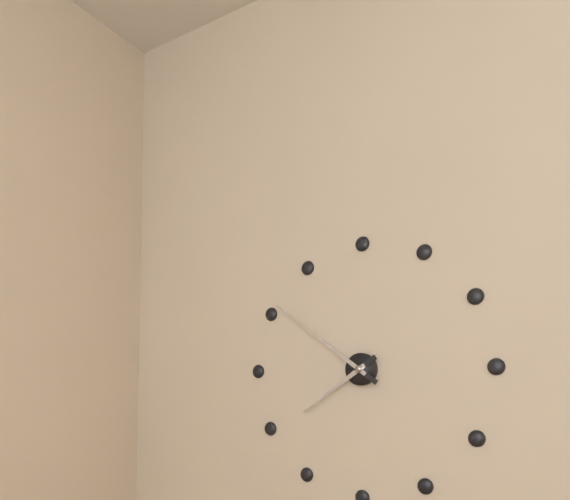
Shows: 7h51
